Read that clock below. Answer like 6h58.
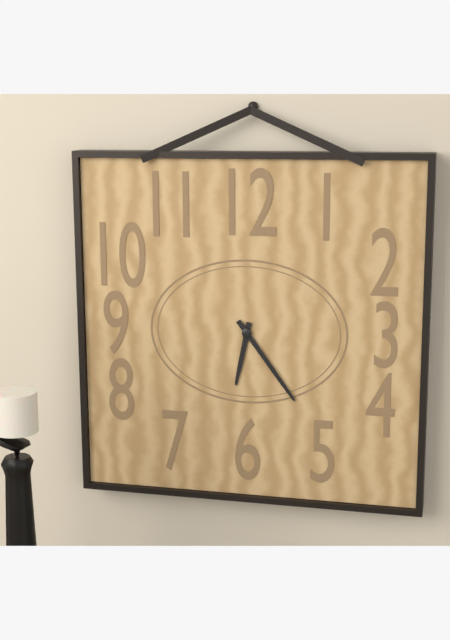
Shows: 6h24
